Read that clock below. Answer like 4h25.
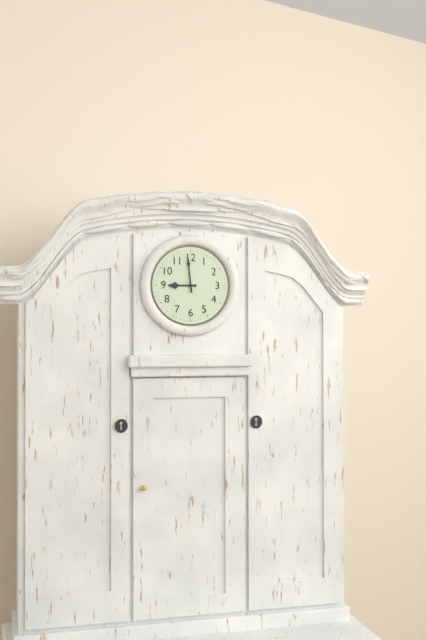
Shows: 8h59
